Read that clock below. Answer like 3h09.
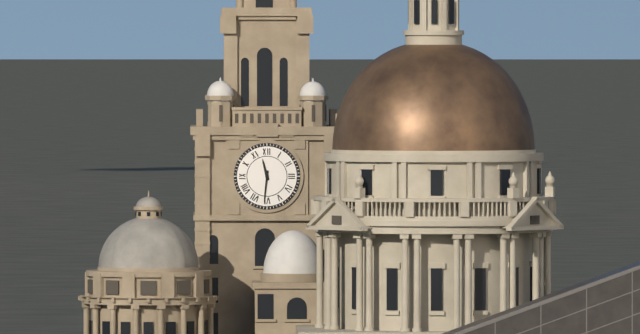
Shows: 11h31
